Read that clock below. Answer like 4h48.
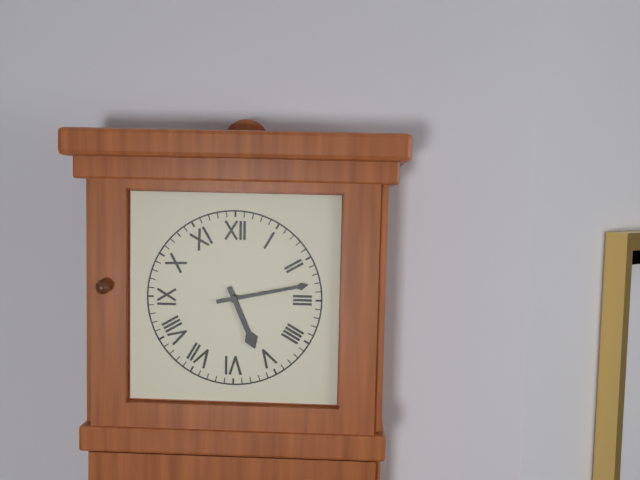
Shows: 5h13
